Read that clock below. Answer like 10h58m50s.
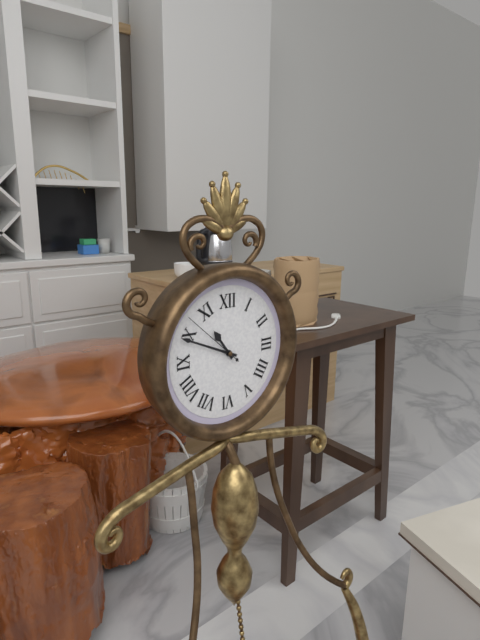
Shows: 10h49m52s
